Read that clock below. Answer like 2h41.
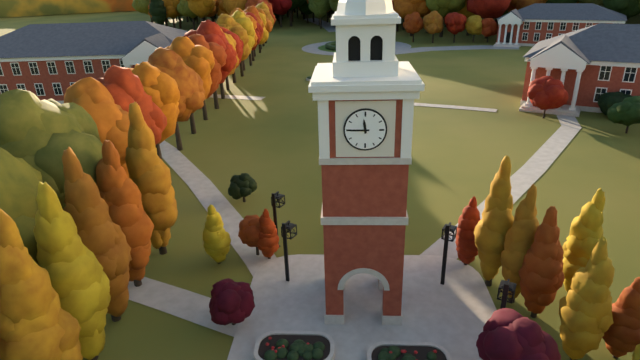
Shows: 11h45
